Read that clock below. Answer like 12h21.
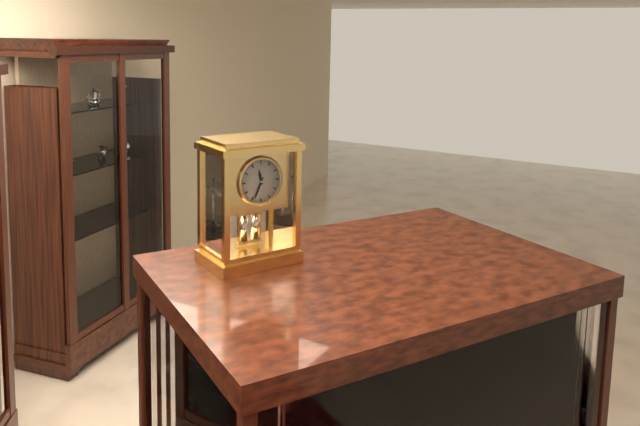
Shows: 11h34
